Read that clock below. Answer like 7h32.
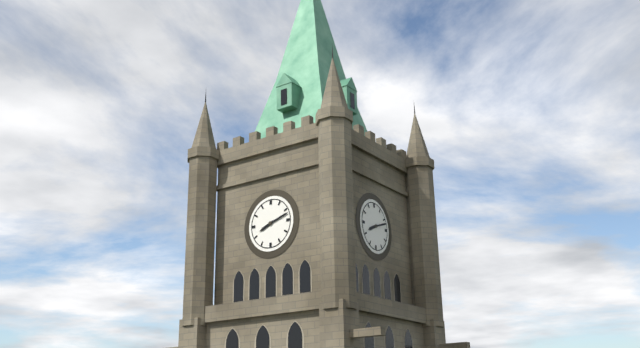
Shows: 8h12
